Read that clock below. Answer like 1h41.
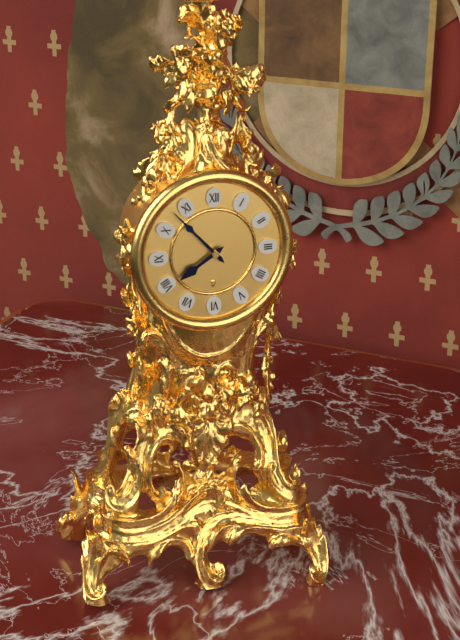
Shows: 7h53
